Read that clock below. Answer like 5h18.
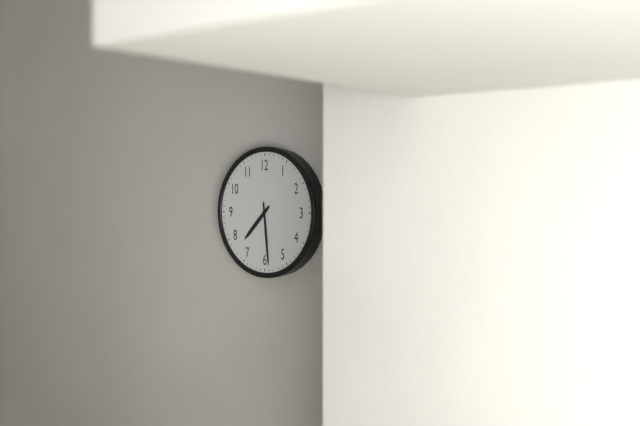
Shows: 7h29
